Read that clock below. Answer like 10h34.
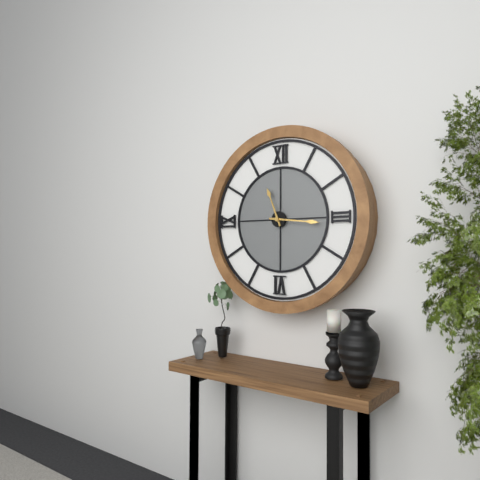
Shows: 11h16
